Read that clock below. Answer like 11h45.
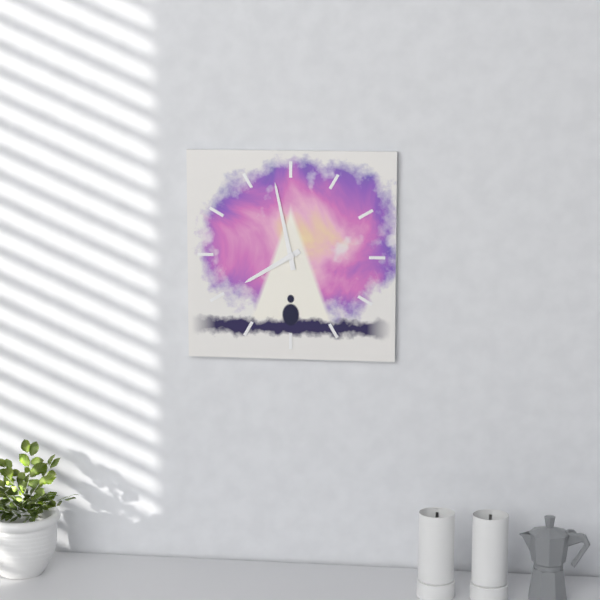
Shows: 7h58
